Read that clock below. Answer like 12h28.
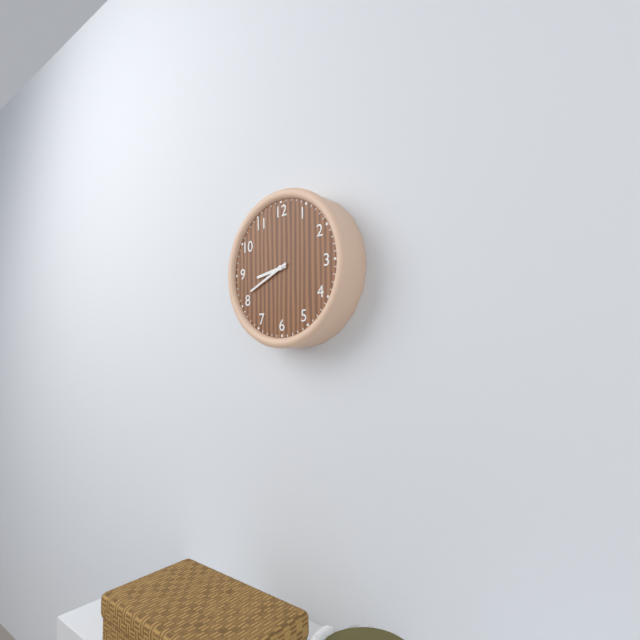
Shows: 8h41
